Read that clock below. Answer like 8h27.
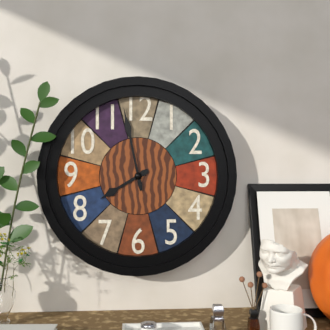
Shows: 7h58
